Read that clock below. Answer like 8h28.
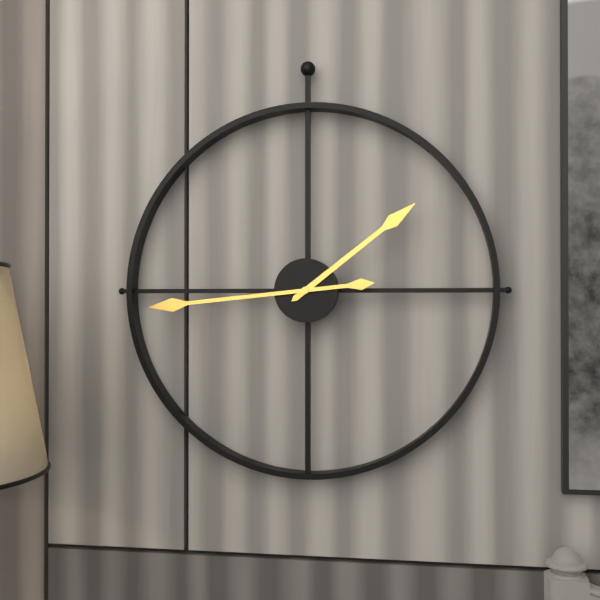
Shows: 1h44
